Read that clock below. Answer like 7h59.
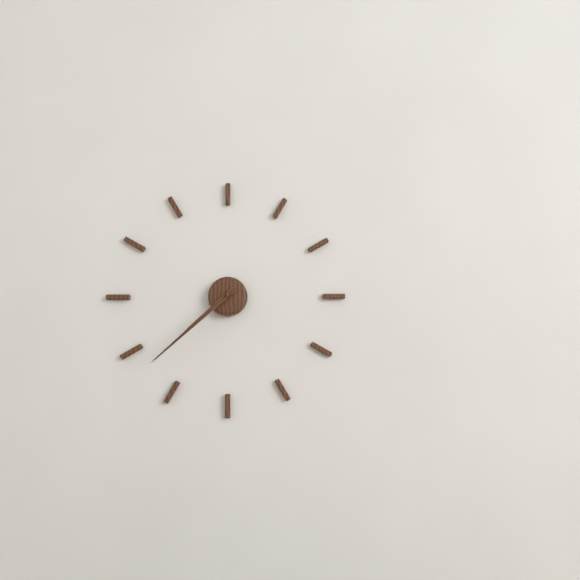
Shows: 7h38
